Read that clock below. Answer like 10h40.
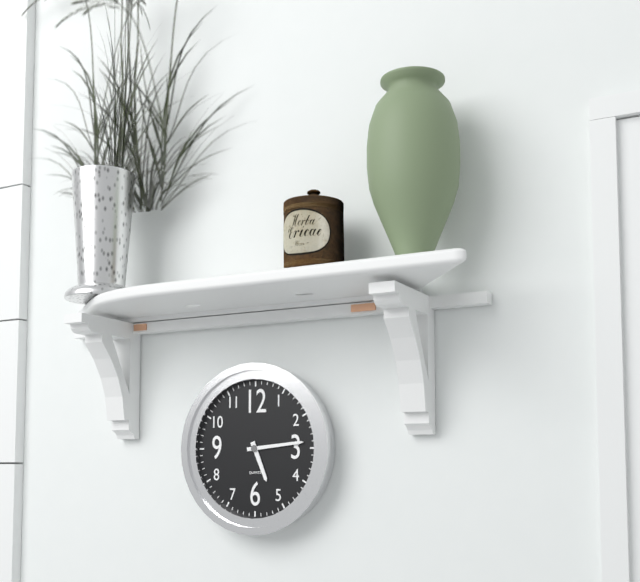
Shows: 5h14
